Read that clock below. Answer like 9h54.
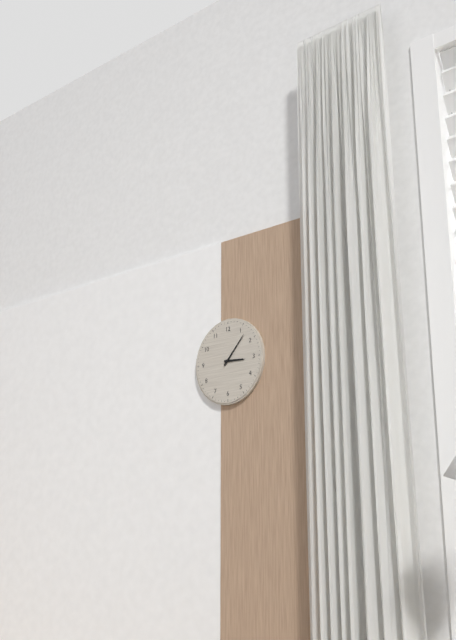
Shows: 3h07
